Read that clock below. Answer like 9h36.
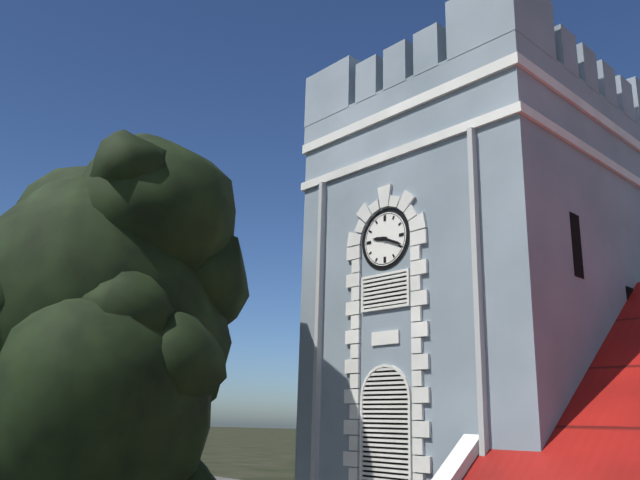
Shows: 9h19
